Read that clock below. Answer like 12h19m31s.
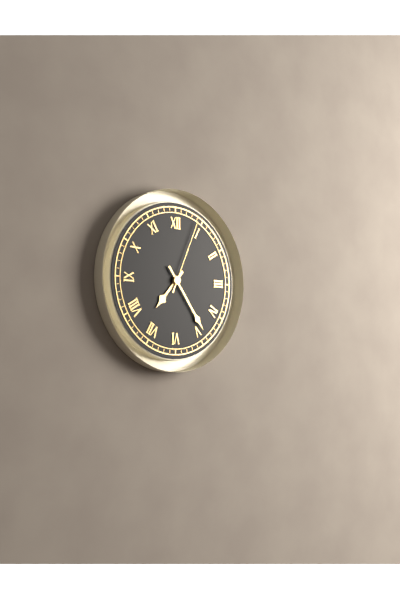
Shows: 7h24m04s
